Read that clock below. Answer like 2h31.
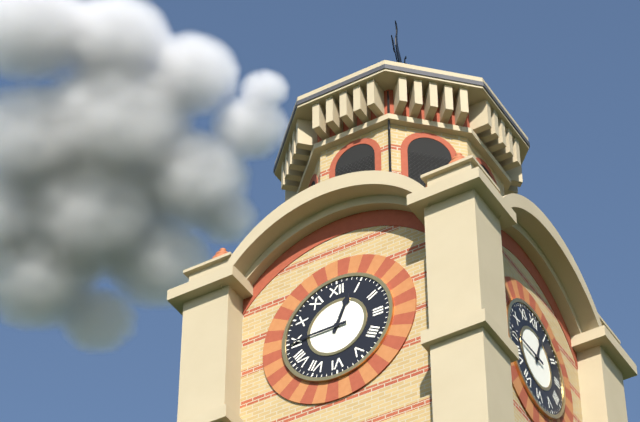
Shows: 12h45
